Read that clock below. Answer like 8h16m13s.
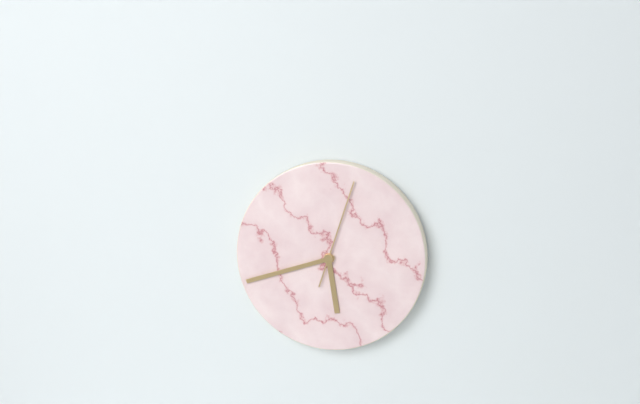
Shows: 5h42m03s
